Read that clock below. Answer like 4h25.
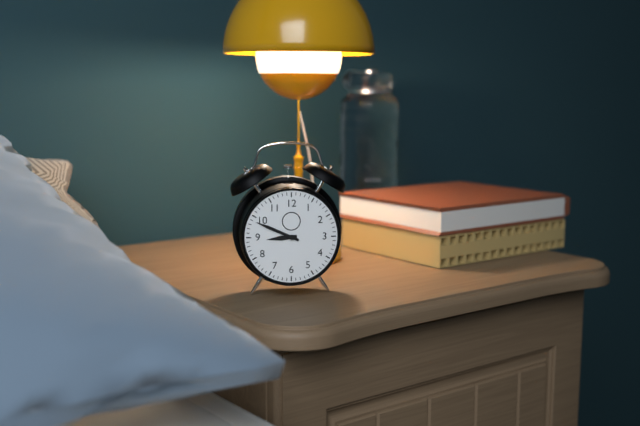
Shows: 8h49
